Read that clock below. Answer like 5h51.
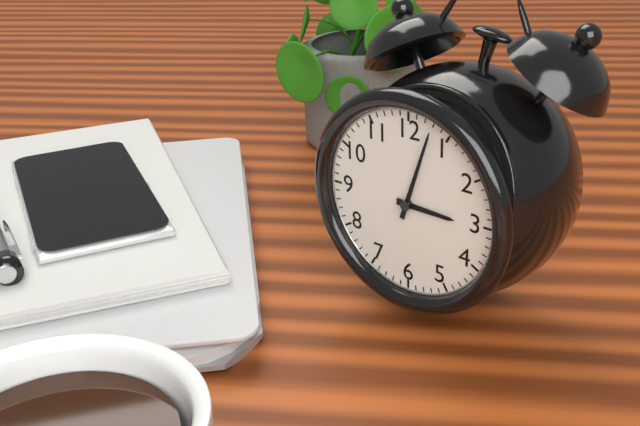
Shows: 3h03
